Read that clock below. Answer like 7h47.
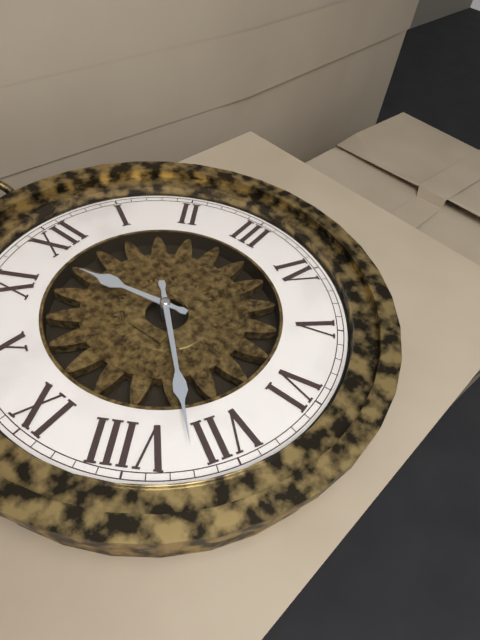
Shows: 11h37
